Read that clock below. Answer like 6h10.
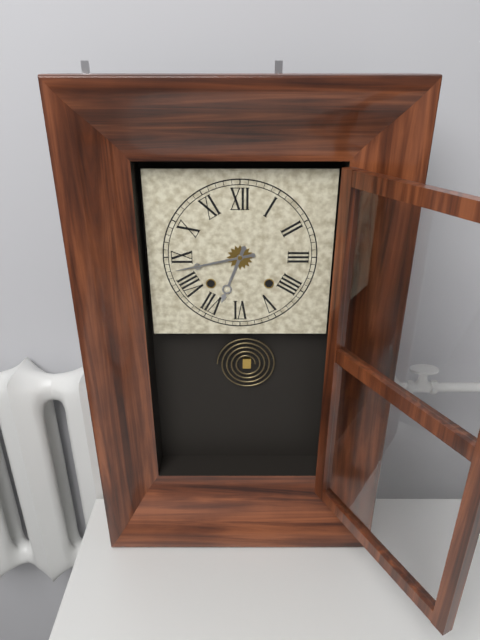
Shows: 6h43
